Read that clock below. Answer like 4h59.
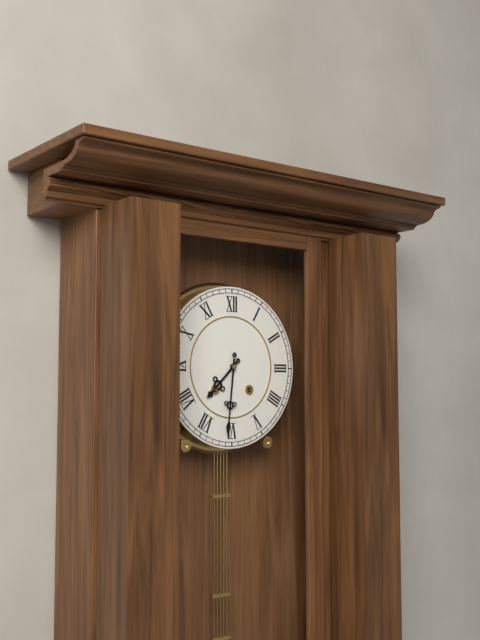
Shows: 7h31
